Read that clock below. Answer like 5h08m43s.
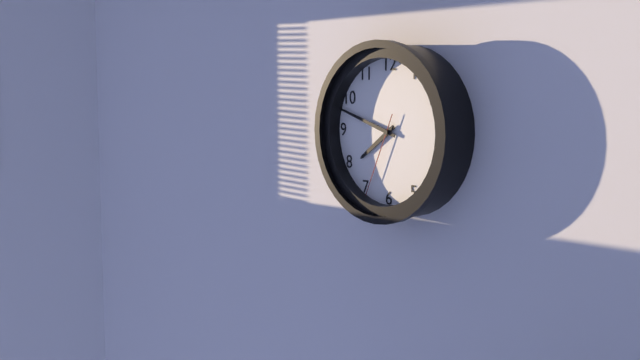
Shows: 7h48m34s
